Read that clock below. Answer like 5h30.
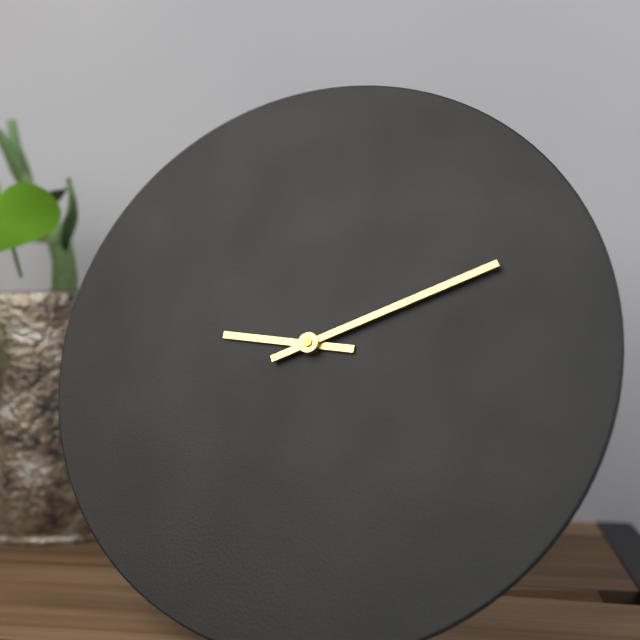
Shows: 9h11
